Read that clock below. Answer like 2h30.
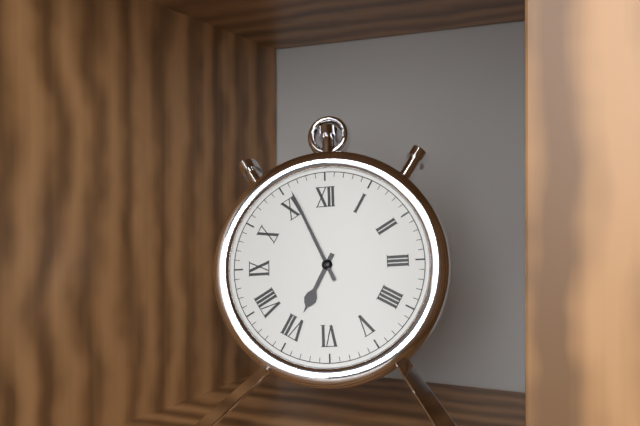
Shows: 6h56
